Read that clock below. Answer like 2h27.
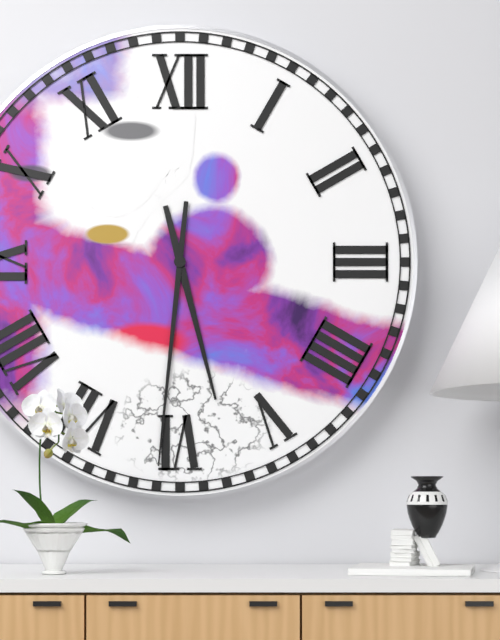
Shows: 5h31
